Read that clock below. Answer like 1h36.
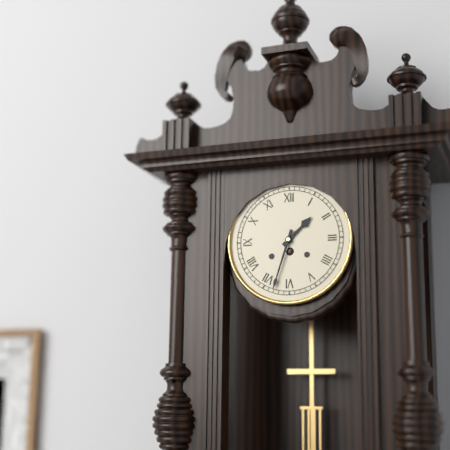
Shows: 1h33
